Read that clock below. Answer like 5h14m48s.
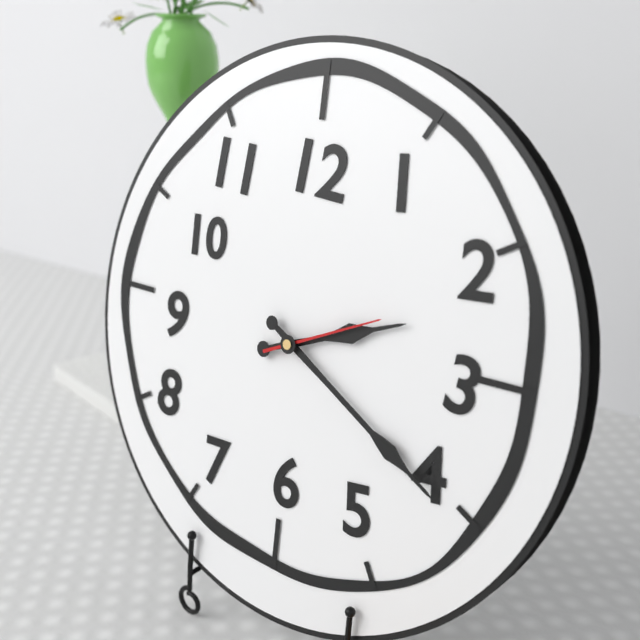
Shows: 2h20m11s
